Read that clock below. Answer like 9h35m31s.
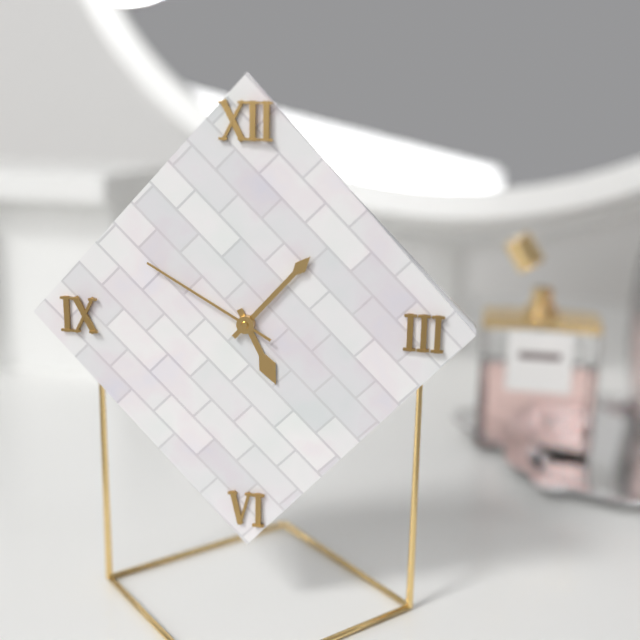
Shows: 5h07m50s
